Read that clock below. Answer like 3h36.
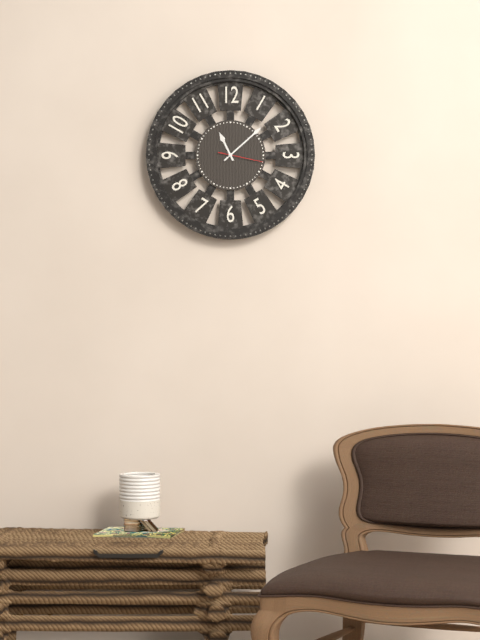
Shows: 11h08
